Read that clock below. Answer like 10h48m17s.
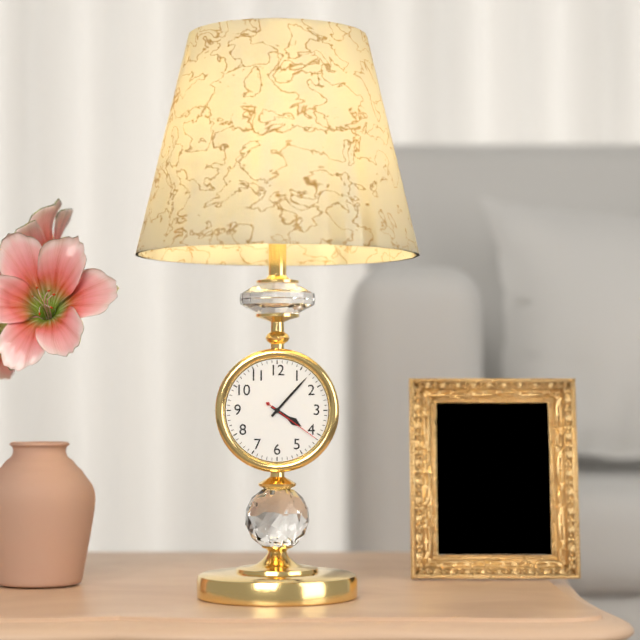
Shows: 4h07m21s
